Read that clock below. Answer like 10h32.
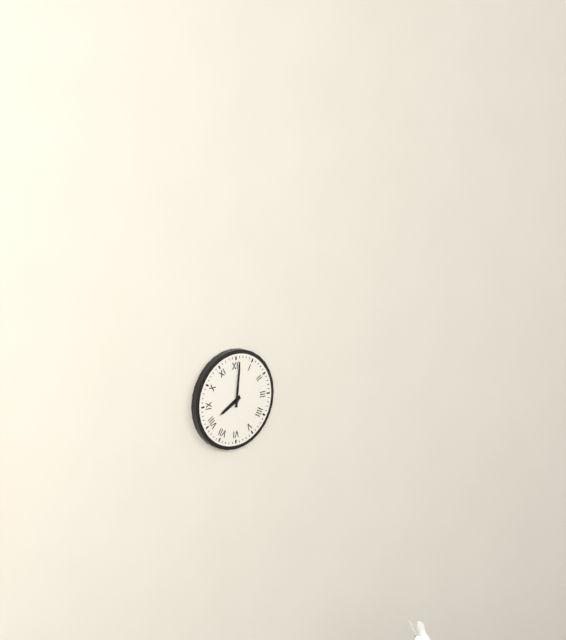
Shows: 8h01
